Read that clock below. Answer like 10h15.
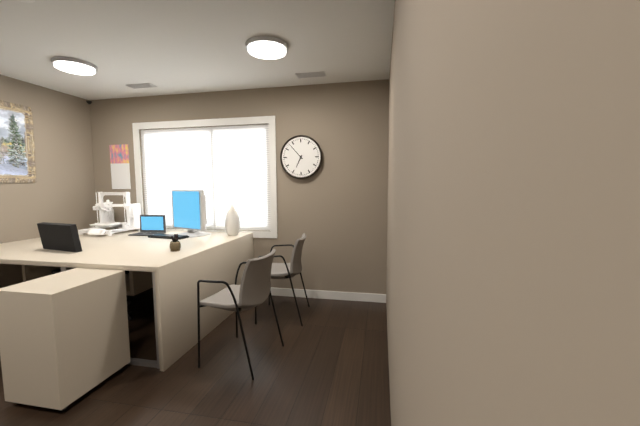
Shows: 6h53
